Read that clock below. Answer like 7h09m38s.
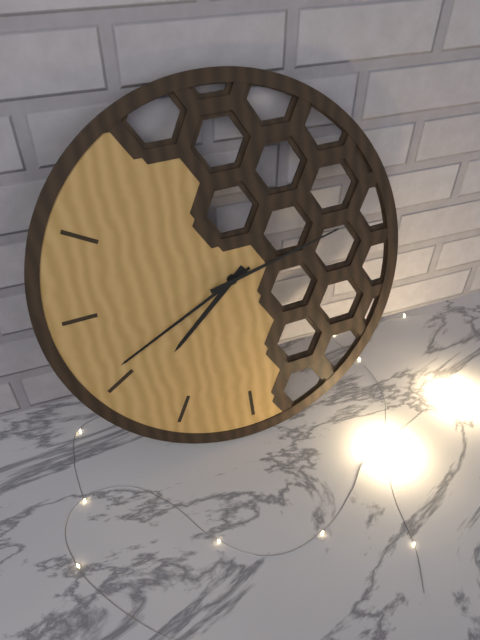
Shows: 7h41m13s
